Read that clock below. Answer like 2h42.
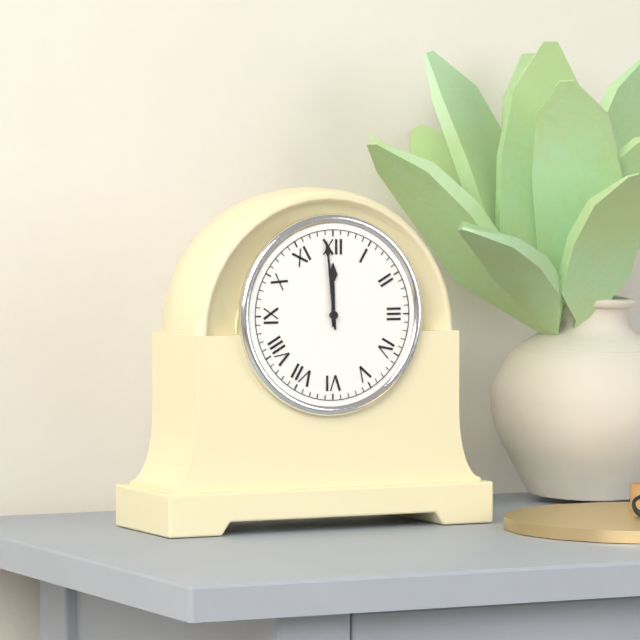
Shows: 11h59
